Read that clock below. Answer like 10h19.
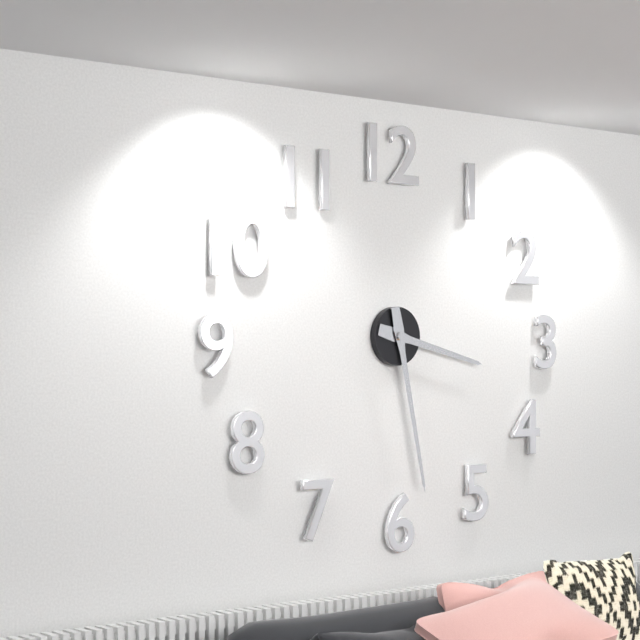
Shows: 3h28
